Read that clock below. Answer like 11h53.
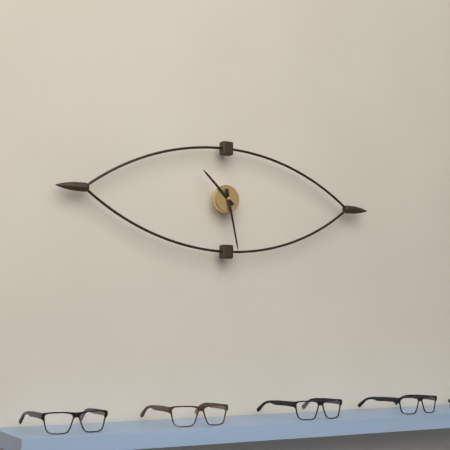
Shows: 10h28
